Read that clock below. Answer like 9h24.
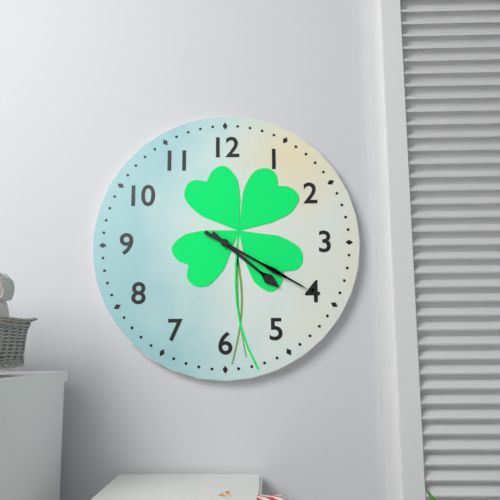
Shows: 4h20
